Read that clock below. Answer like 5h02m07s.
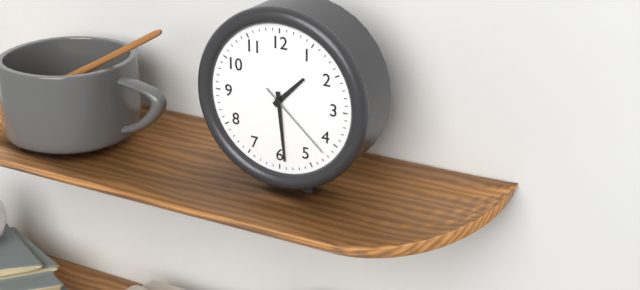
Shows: 1h29m22s
